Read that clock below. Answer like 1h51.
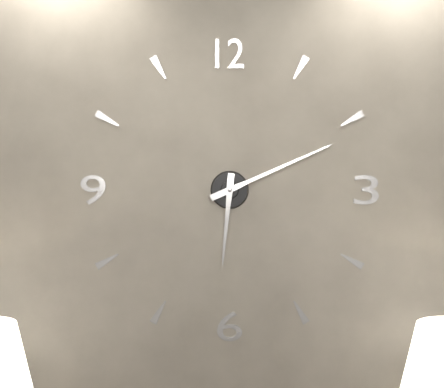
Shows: 6h11
